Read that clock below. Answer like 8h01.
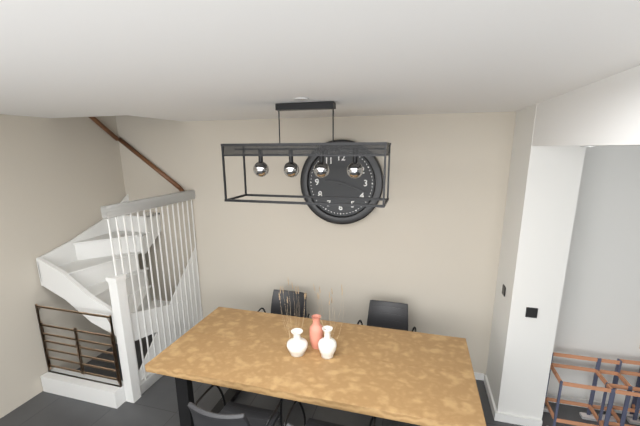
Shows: 9h18
